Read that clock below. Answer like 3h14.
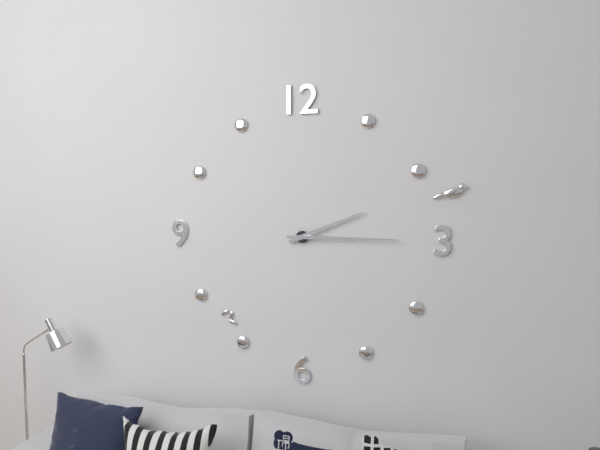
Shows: 2h15
